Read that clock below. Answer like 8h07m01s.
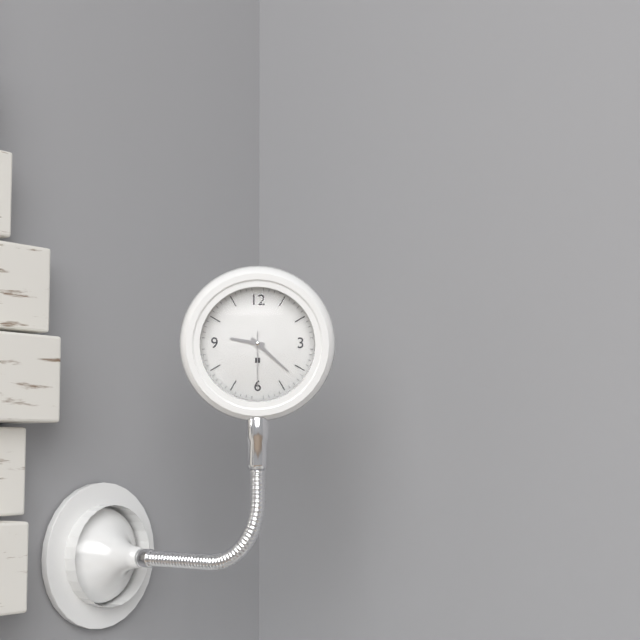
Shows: 9h22m30s
